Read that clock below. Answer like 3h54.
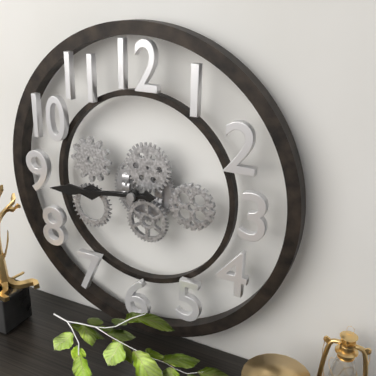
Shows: 8h44
